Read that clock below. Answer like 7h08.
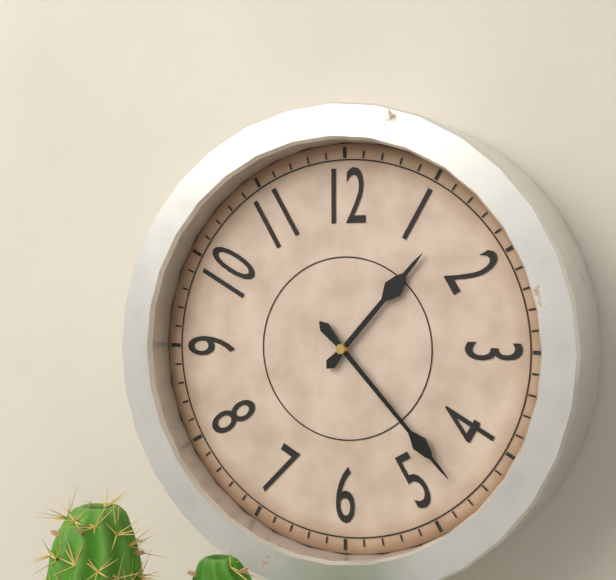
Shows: 1h23
